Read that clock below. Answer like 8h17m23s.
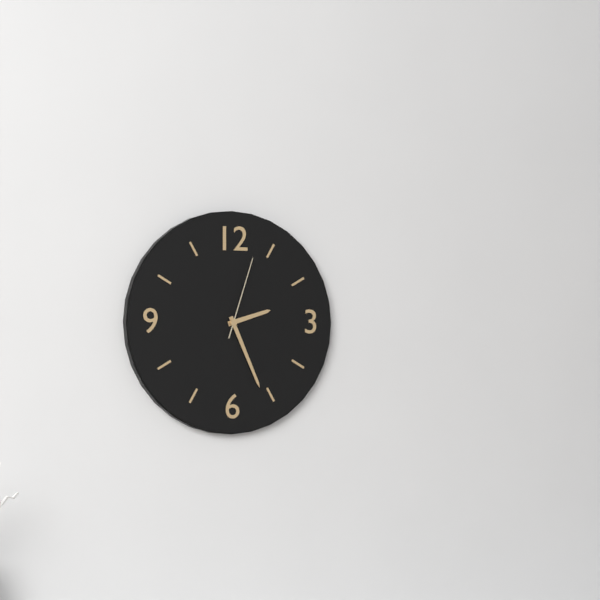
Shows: 2h26m03s
